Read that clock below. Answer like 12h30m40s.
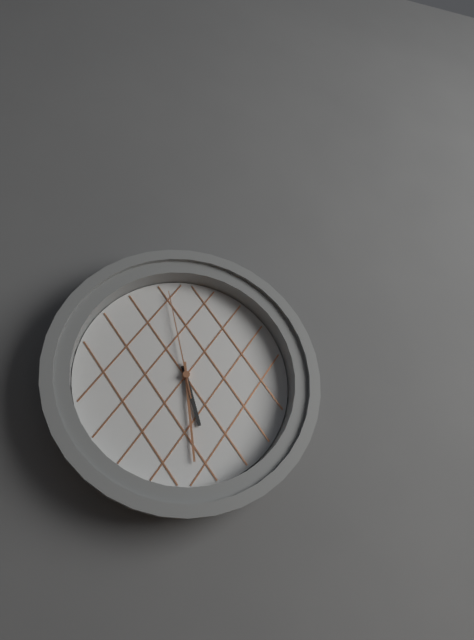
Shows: 5h29m58s
